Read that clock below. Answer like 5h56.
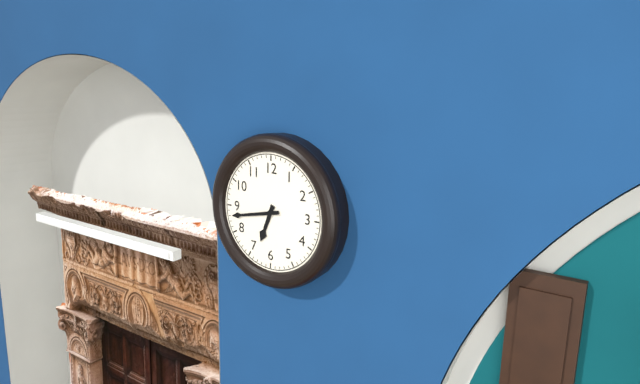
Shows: 6h43
